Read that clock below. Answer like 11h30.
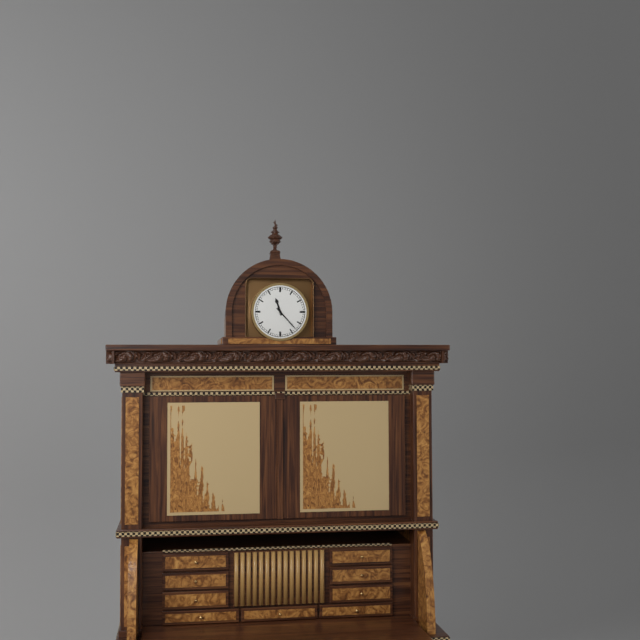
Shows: 11h23
